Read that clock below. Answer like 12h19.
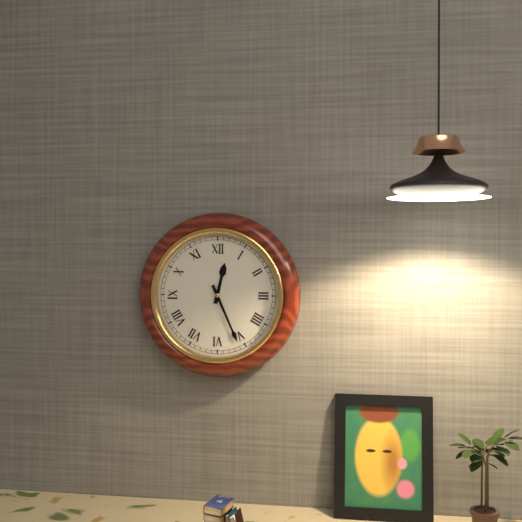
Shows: 12h26
